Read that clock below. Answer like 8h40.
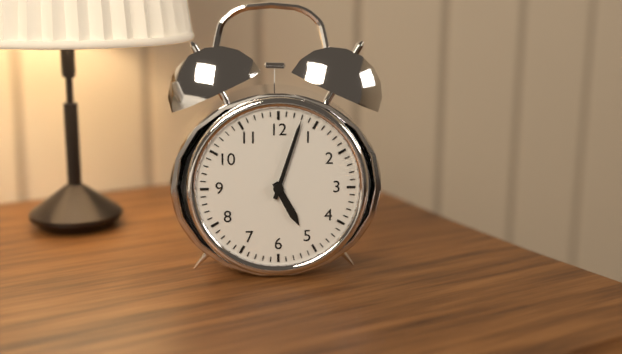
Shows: 5h03
